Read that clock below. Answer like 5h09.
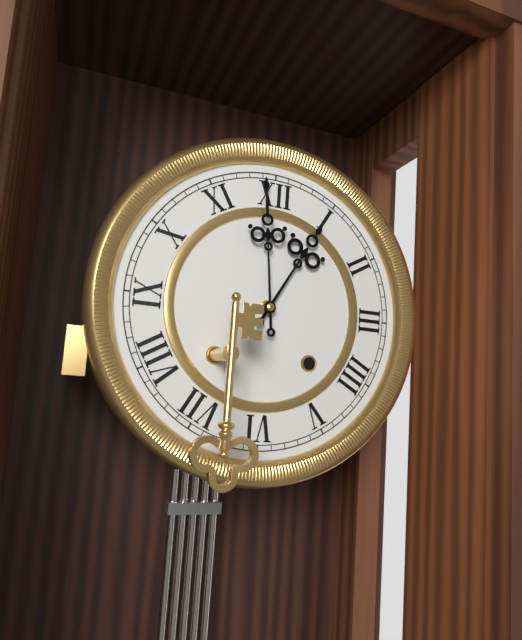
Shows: 12h59
